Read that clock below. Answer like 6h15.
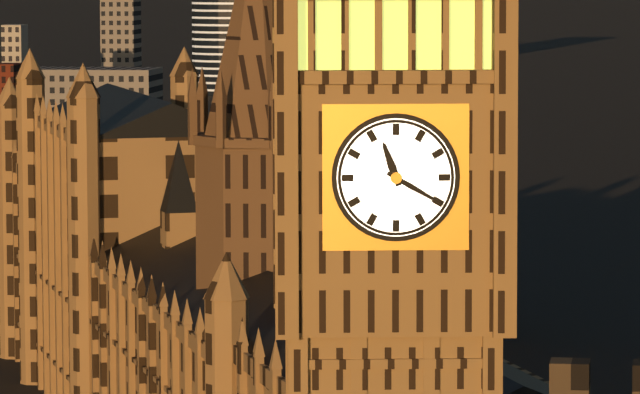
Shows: 11h20
